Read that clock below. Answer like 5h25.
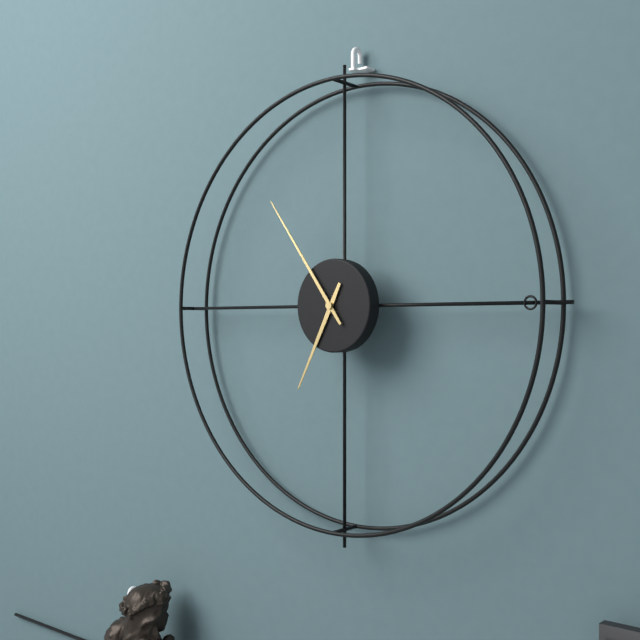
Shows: 6h54
